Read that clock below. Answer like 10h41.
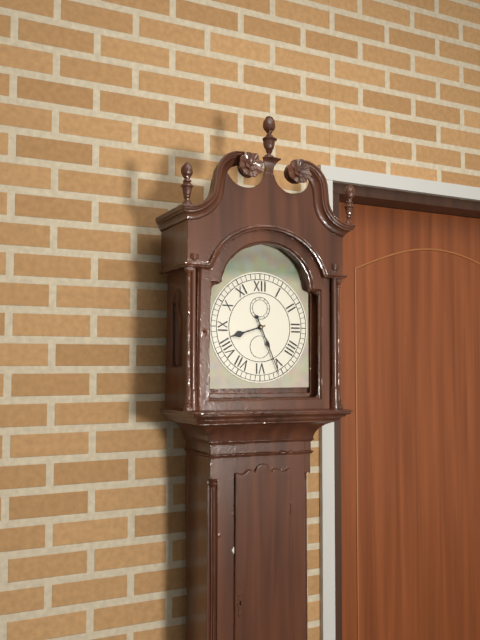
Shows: 8h26
